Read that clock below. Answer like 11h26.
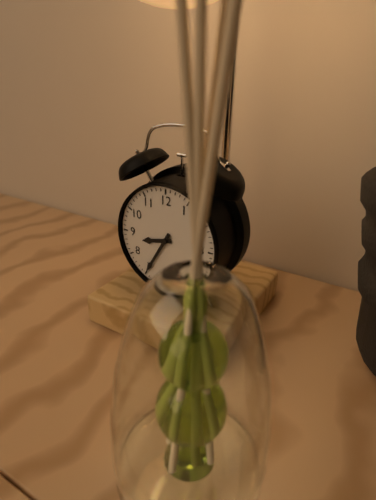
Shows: 8h35
